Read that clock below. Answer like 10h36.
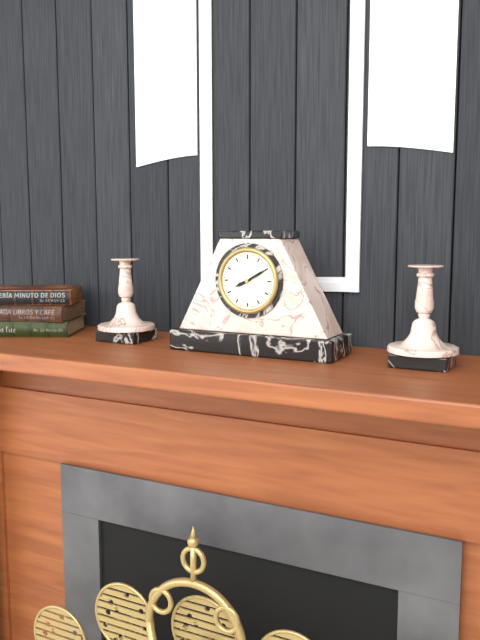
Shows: 8h10
